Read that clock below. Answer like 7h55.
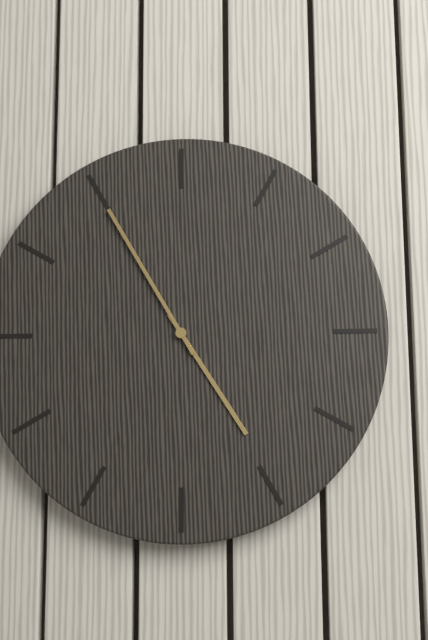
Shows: 4h55
